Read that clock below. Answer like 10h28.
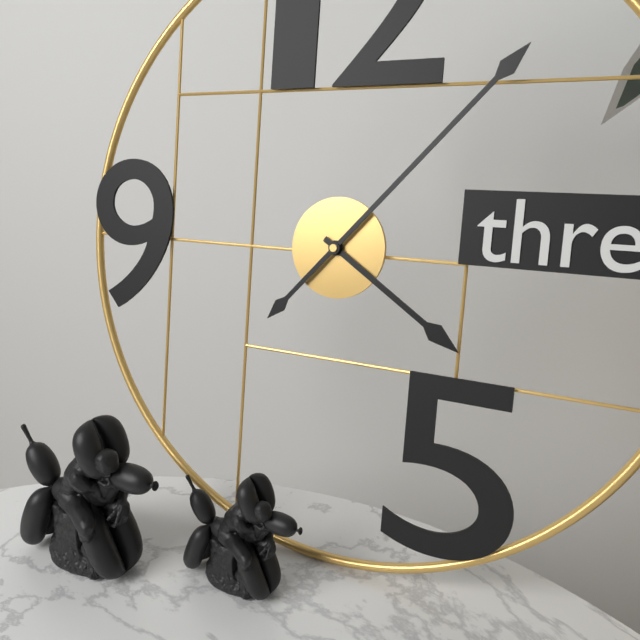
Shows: 4h07
